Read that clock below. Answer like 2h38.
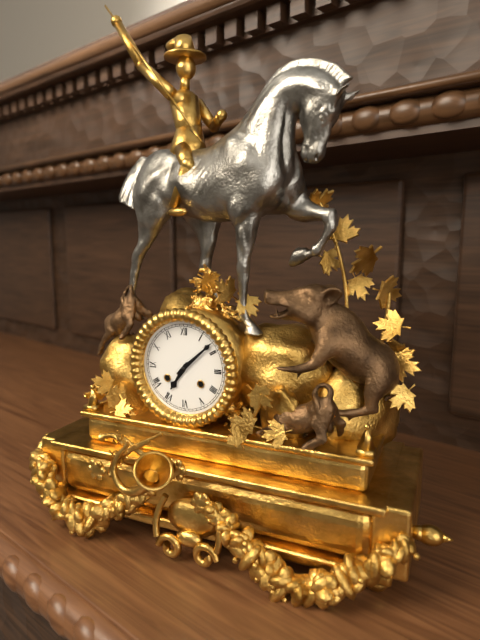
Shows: 7h08
